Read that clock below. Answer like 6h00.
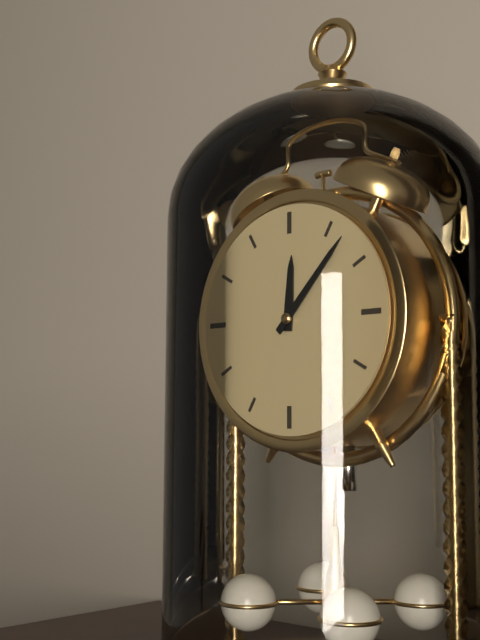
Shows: 12h07
